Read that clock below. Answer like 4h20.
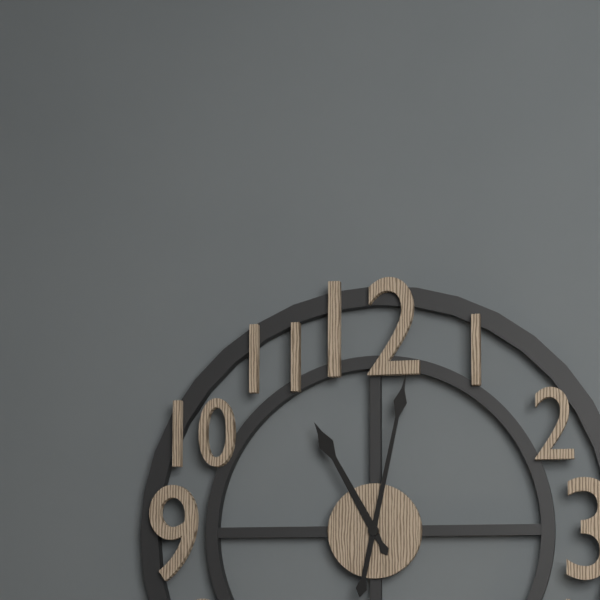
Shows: 11h02
